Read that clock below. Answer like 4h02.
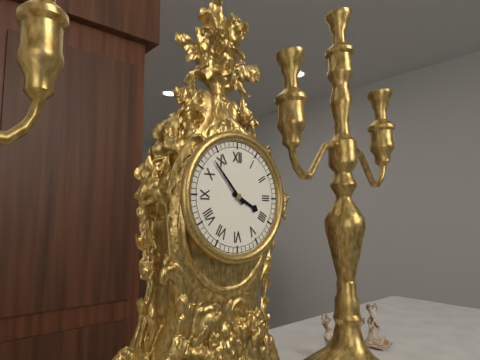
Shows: 3h53
